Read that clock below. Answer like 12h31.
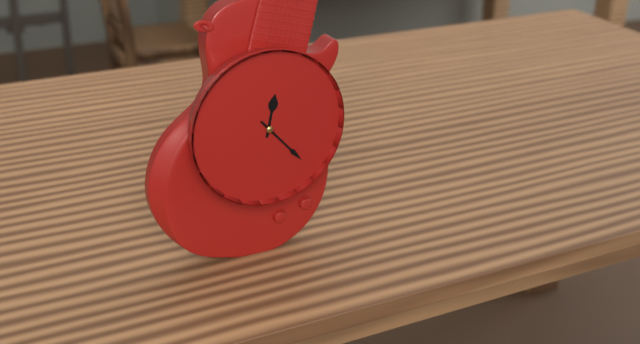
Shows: 12h23
